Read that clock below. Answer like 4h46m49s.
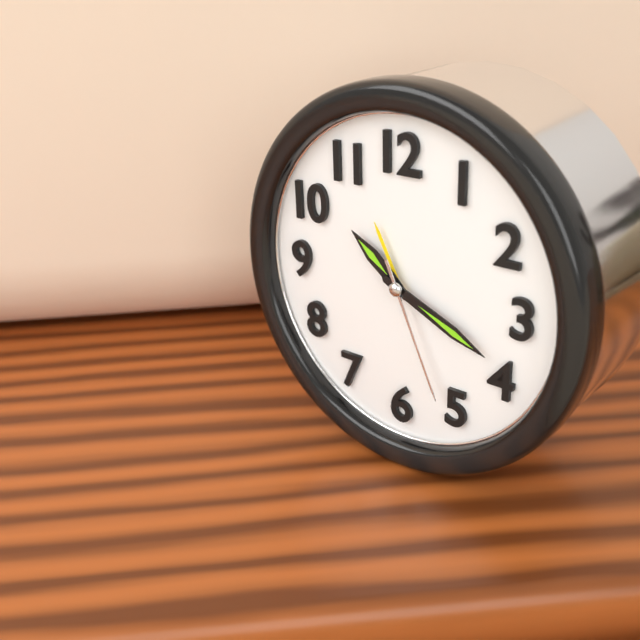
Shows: 10h19m26s
